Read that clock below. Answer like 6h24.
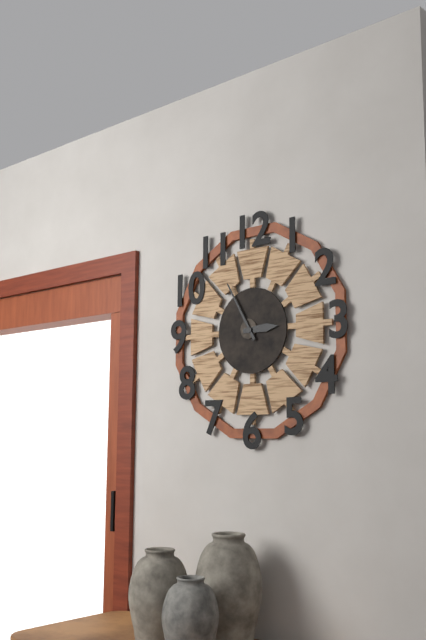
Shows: 2h55
